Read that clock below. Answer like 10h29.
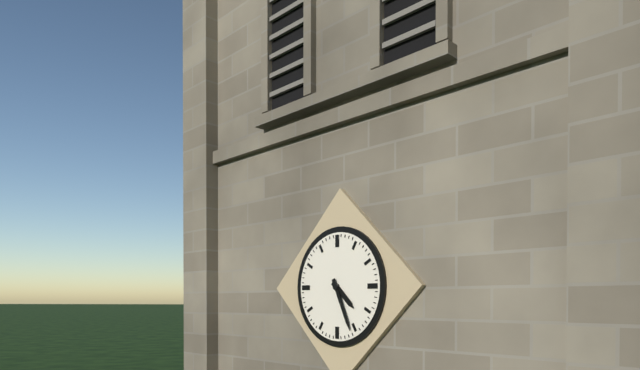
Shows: 4h26
